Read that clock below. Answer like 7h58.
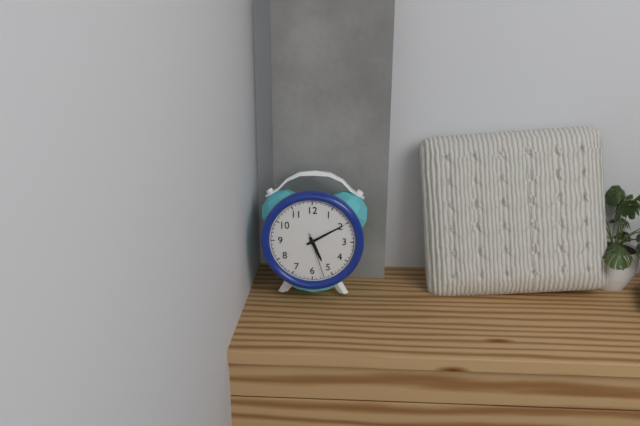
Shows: 5h10
